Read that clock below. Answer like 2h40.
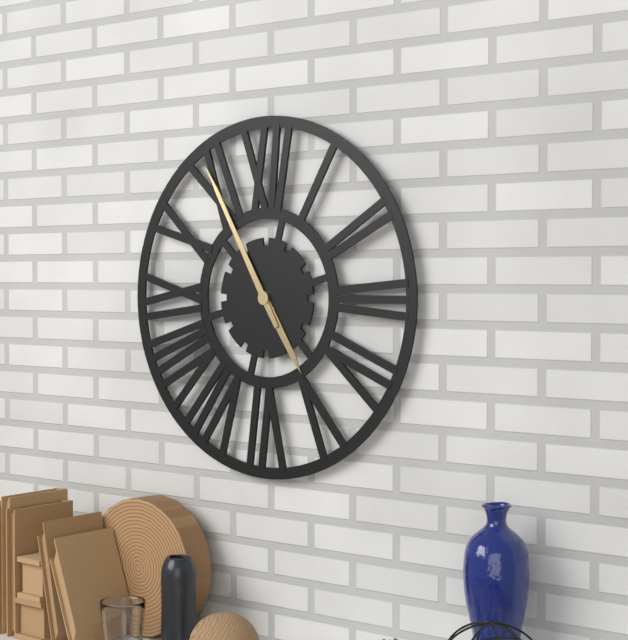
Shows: 4h55
